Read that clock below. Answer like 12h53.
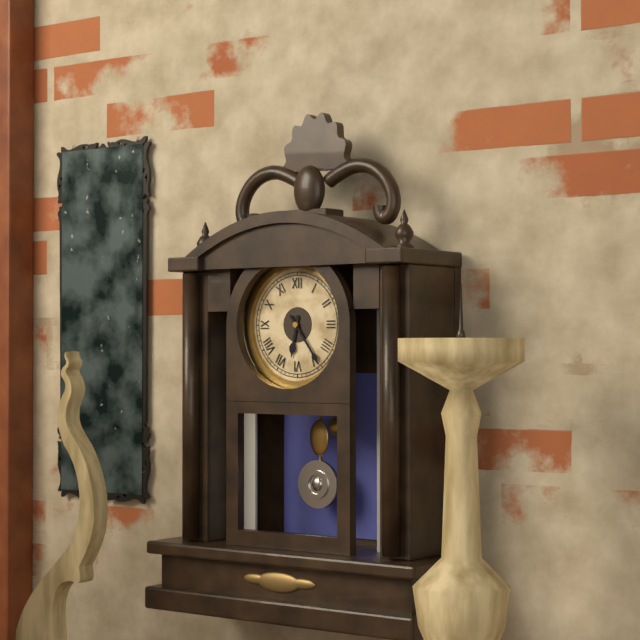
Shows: 6h24
